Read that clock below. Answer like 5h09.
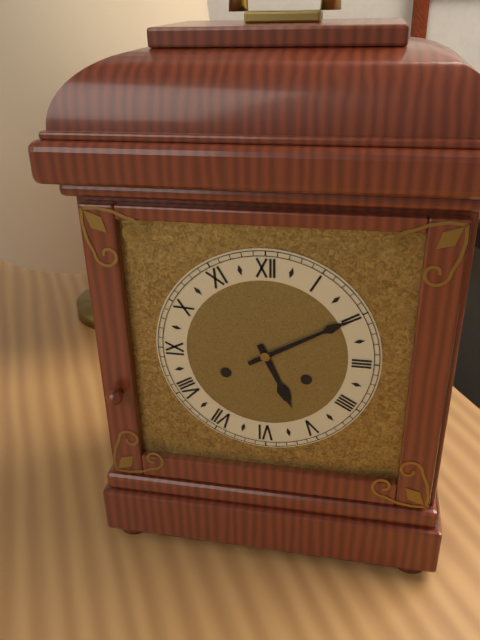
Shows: 5h10
